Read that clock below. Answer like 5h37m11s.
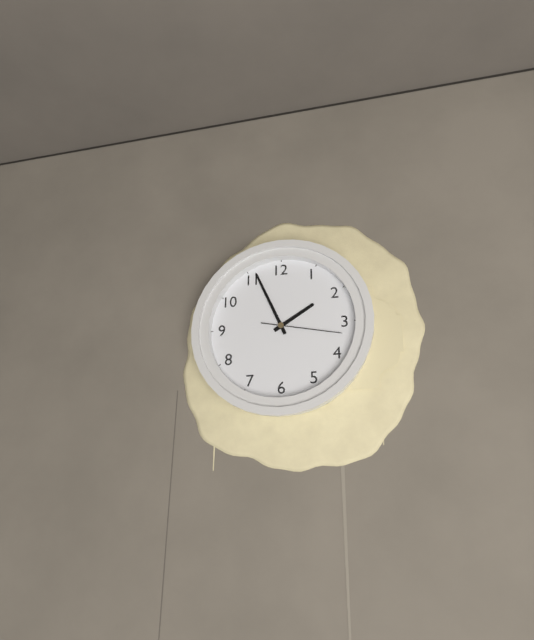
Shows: 1h56m17s
